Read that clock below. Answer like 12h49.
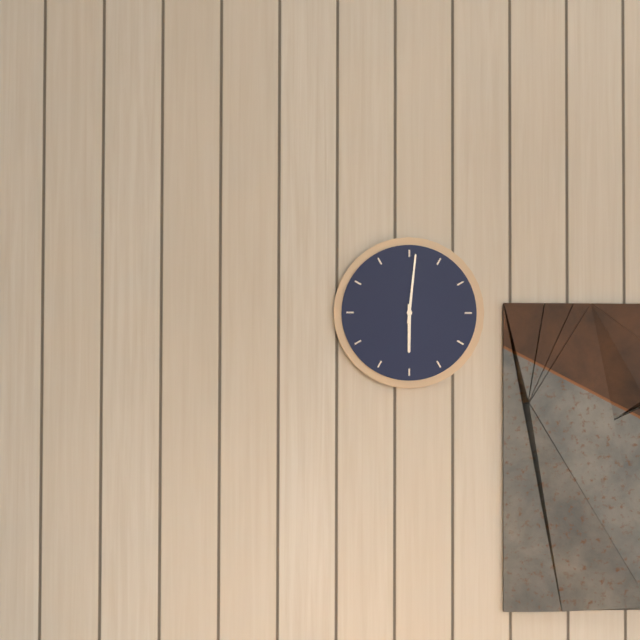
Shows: 6h01
